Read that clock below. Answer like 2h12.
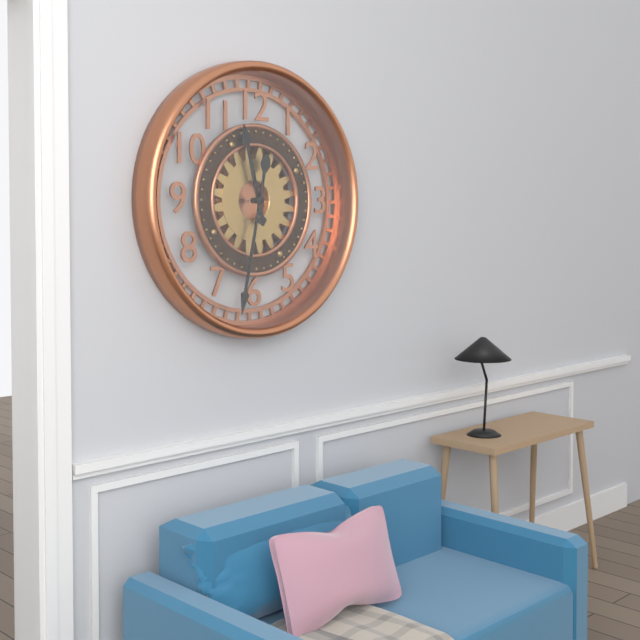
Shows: 11h32
